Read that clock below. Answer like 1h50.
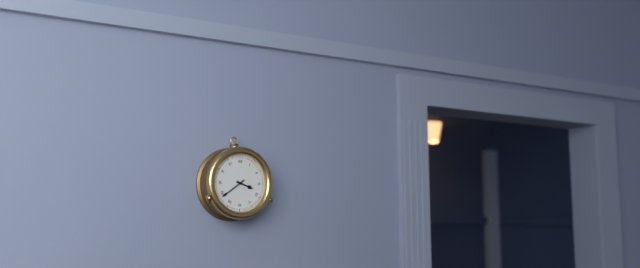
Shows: 3h39
